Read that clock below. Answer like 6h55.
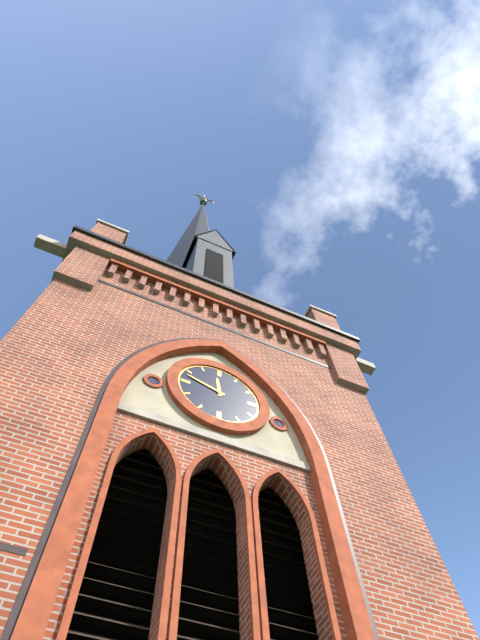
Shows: 11h48
